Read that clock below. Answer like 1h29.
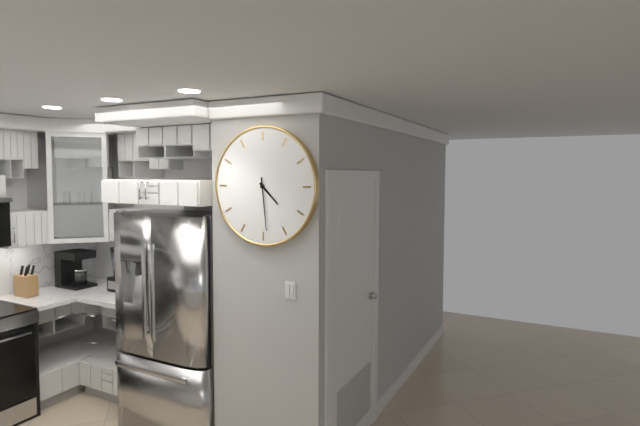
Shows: 4h29
